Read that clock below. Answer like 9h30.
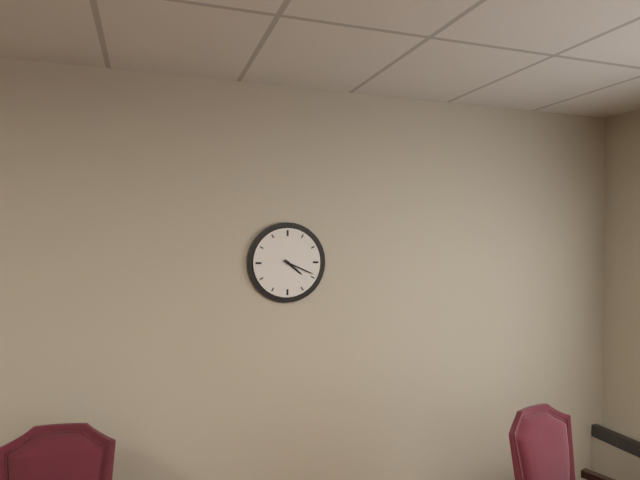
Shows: 4h19
